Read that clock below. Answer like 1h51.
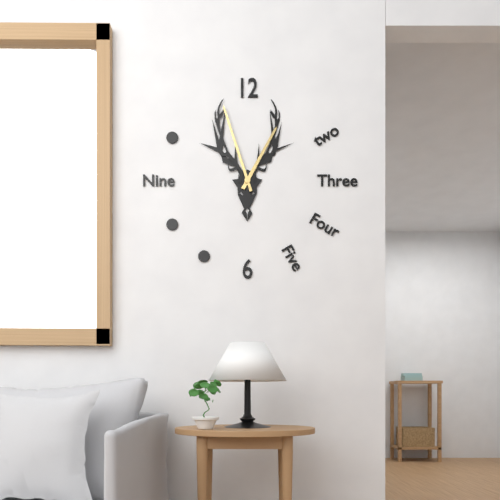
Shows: 12h57
